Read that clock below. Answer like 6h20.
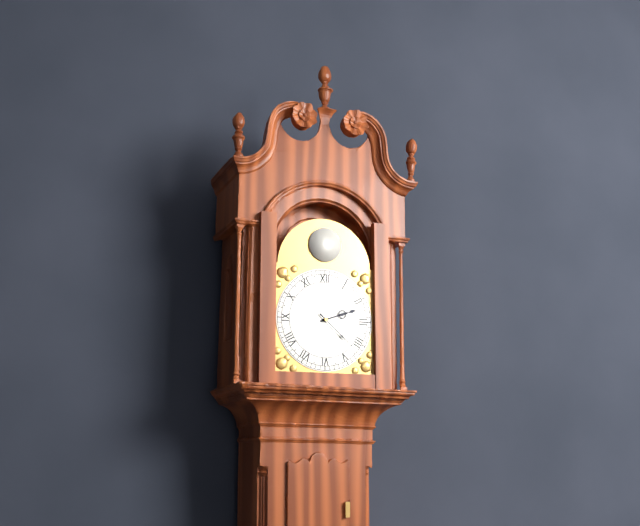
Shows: 2h22
